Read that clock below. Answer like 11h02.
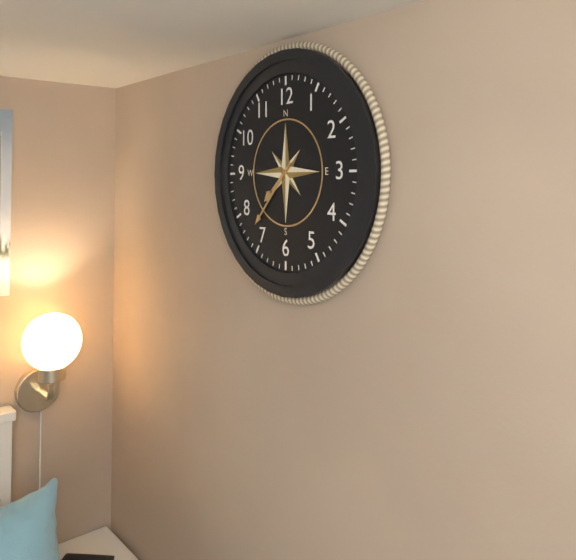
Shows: 7h37
